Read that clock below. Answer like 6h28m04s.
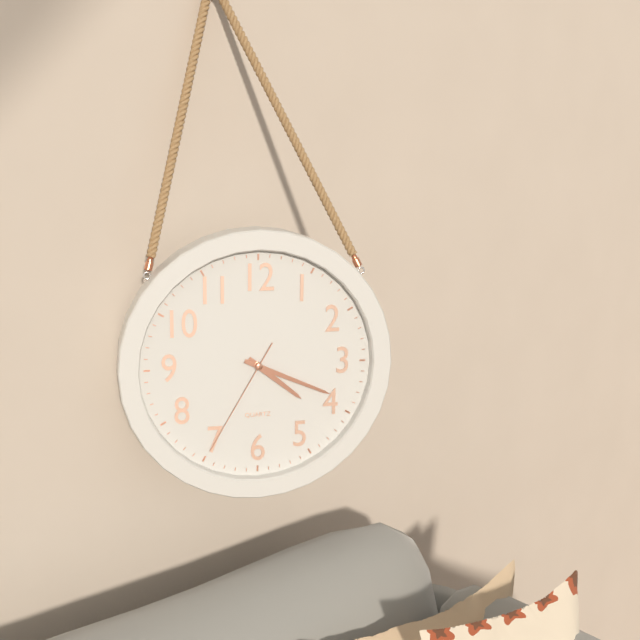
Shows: 4h19m35s
